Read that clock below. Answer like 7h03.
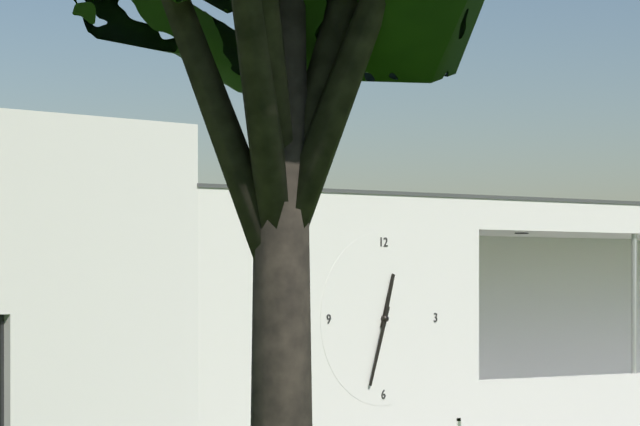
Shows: 12h33
